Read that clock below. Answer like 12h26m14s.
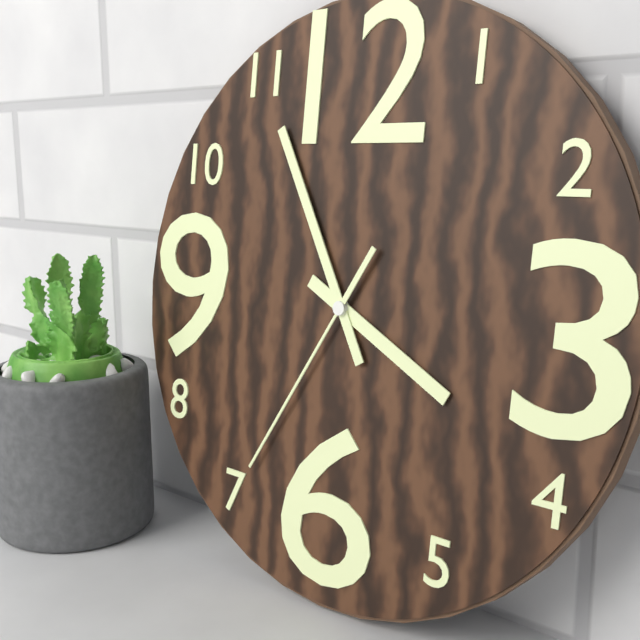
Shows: 3h55m35s
